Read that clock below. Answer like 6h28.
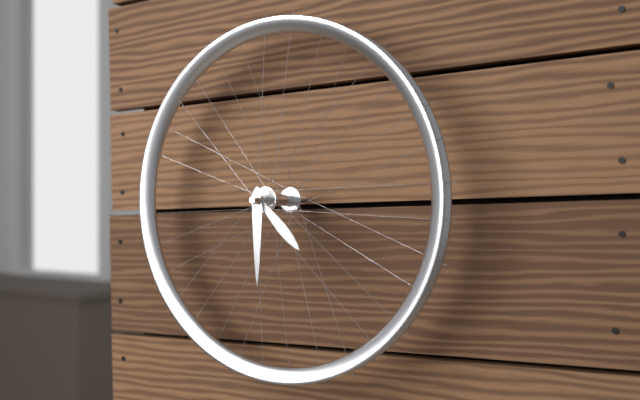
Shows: 4h30
